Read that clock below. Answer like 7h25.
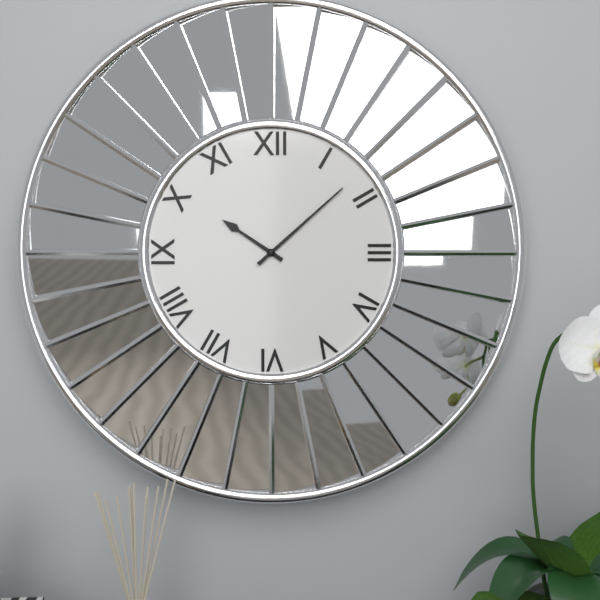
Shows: 10h08
